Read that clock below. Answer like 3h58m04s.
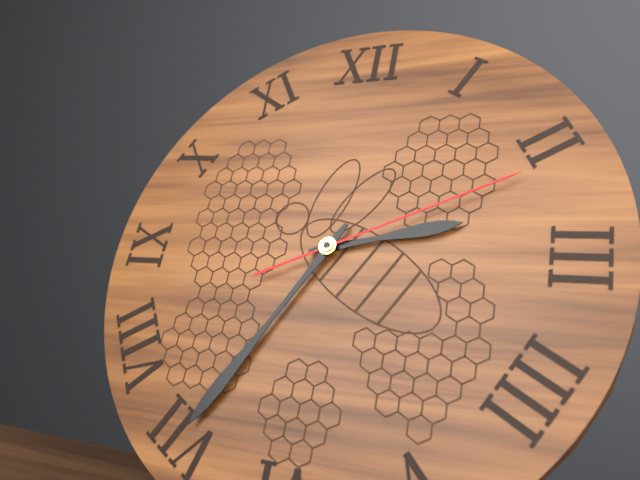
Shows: 2h35m11s
